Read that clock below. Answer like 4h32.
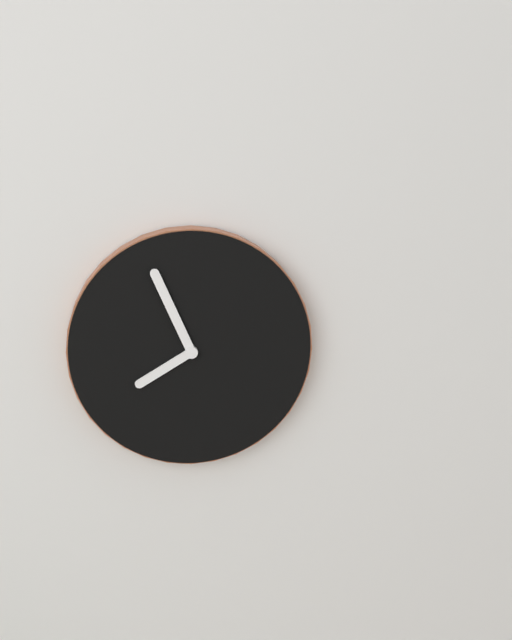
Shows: 7h56
